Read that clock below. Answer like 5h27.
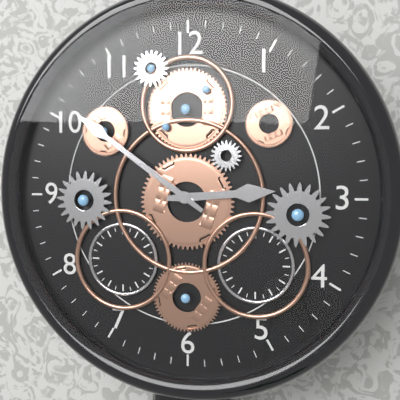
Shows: 2h51
